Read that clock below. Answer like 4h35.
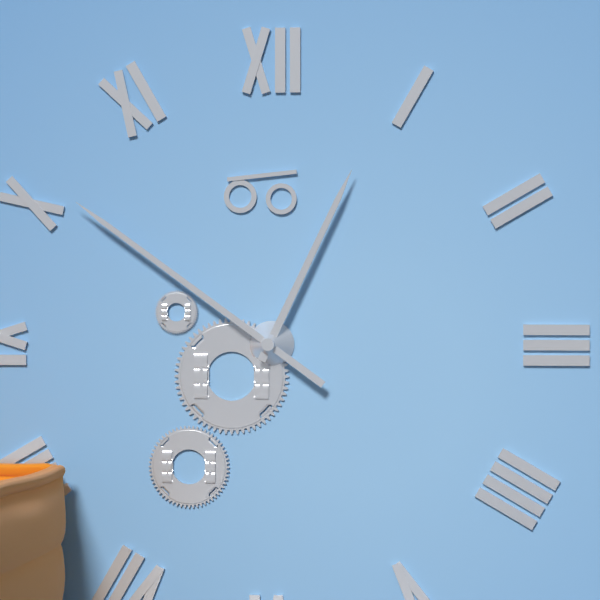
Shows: 12h51
